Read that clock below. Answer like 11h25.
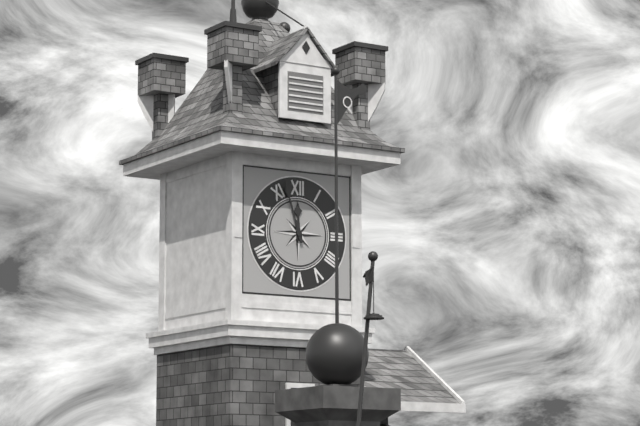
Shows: 11h57
